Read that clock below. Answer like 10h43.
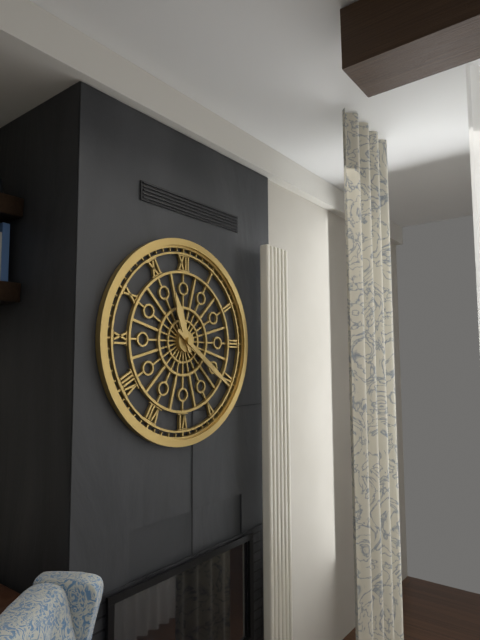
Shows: 11h21
